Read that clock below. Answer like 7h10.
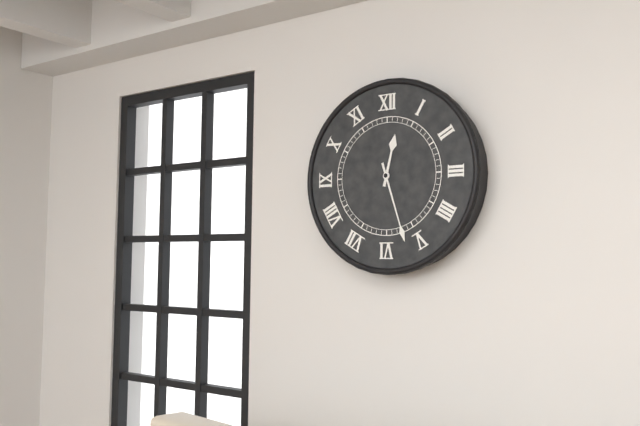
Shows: 12h27
